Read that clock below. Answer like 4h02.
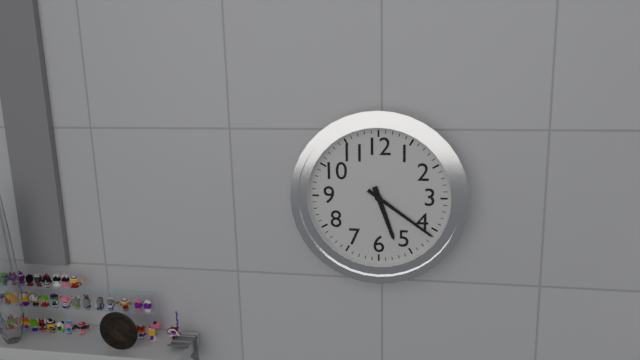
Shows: 5h21
